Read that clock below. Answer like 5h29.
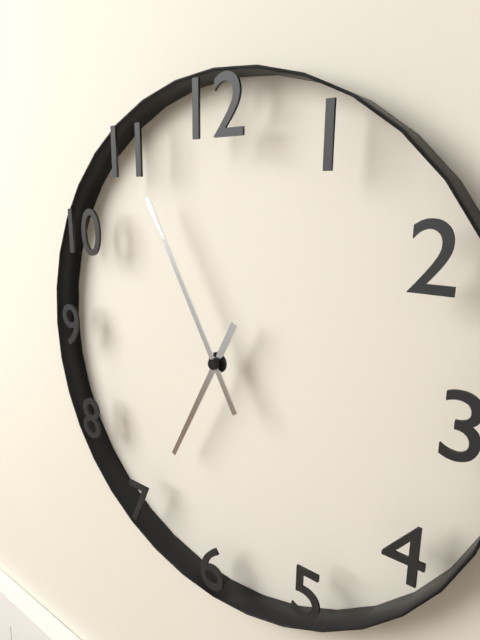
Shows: 6h55
